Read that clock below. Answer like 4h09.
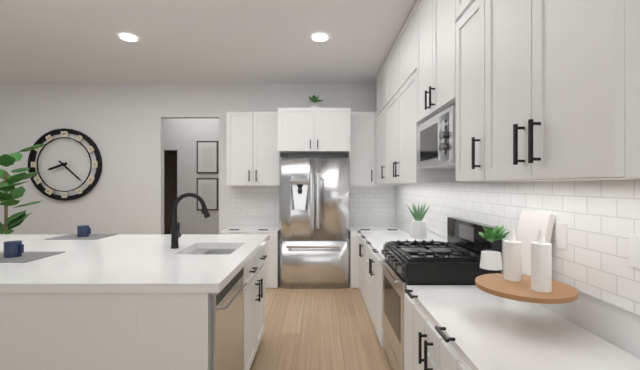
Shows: 8h22
